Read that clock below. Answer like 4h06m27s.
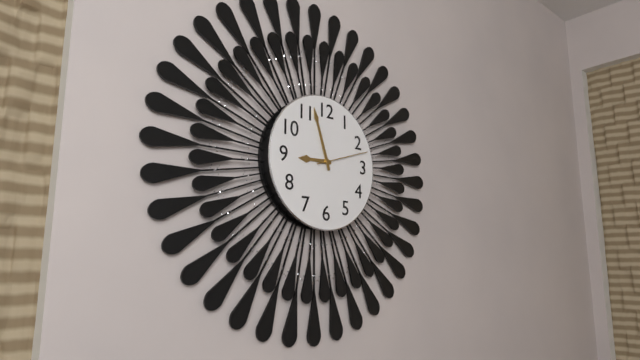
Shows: 8h57m12s
